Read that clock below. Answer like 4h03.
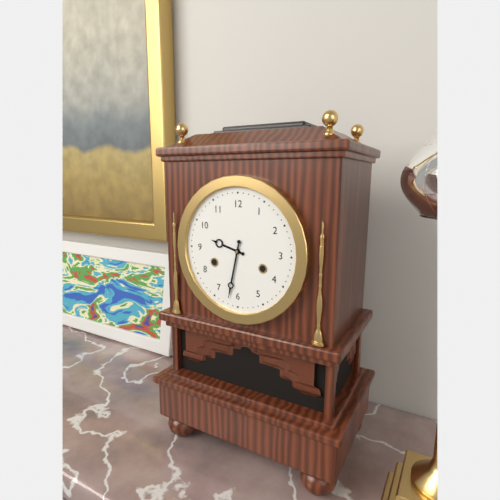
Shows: 9h32
